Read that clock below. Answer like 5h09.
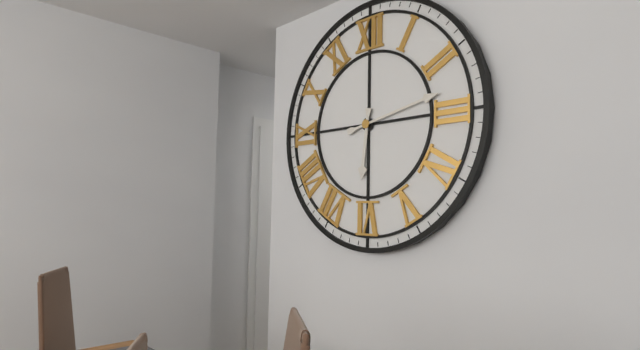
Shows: 6h13
